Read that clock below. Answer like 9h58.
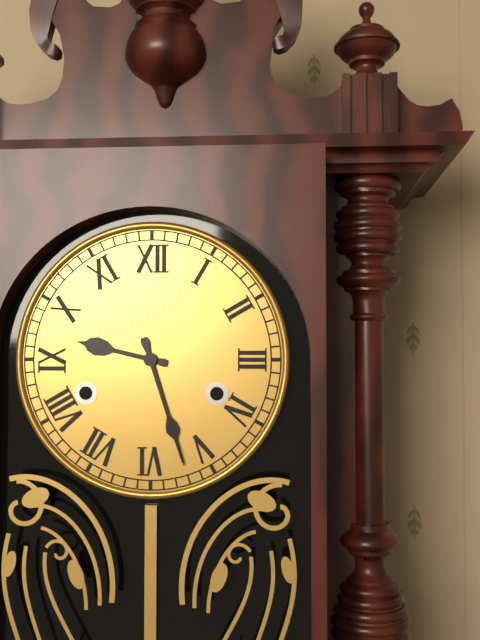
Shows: 9h27
